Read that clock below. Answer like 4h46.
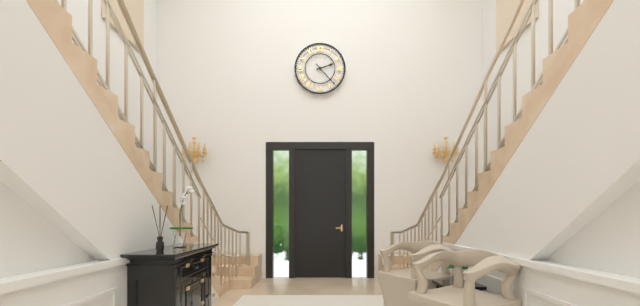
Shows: 2h23
